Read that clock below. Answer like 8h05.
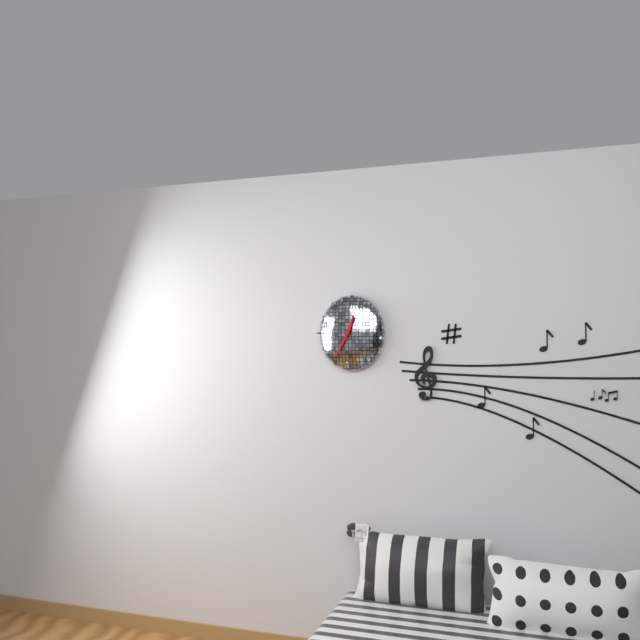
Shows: 12h35
